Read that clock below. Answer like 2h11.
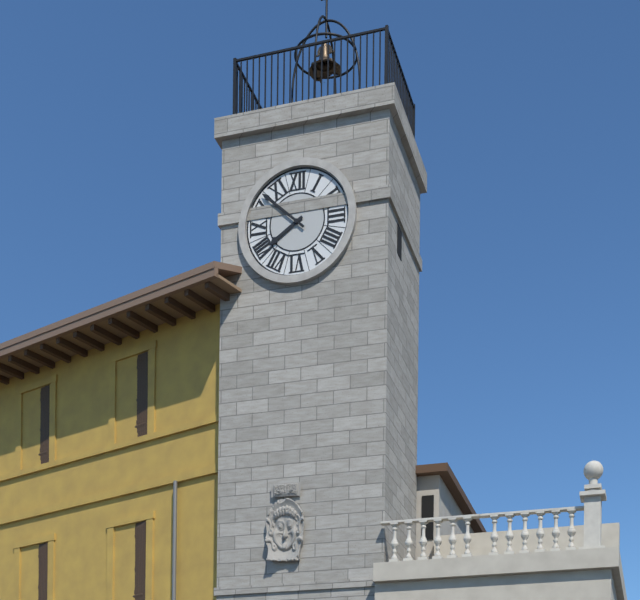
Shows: 7h52
